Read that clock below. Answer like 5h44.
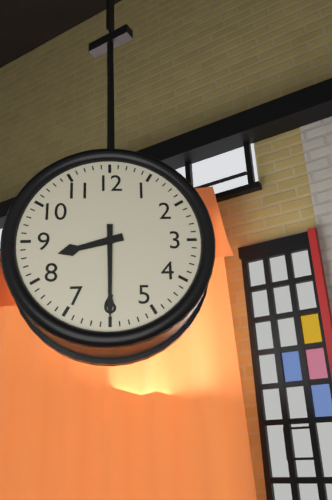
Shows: 8h30
